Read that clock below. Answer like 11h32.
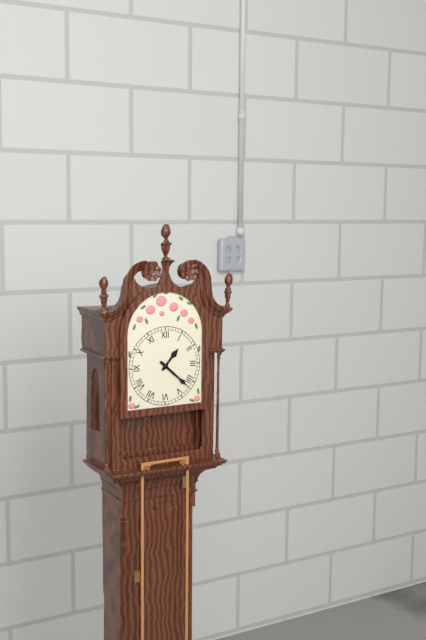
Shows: 1h22
